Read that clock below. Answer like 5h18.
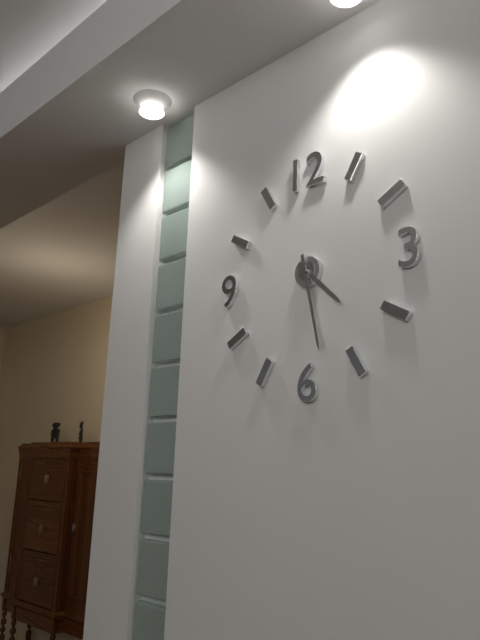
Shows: 4h28
